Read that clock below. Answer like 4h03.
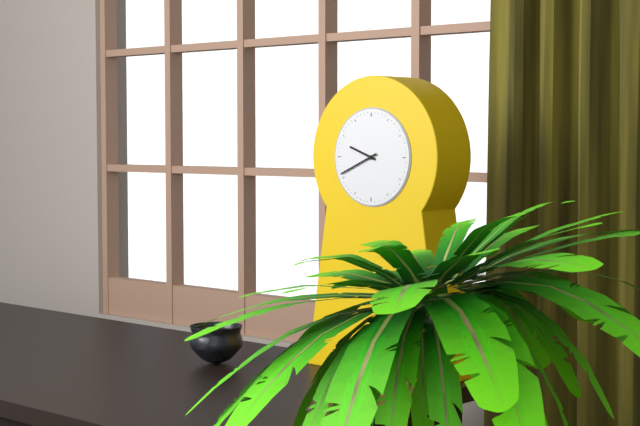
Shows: 9h41
